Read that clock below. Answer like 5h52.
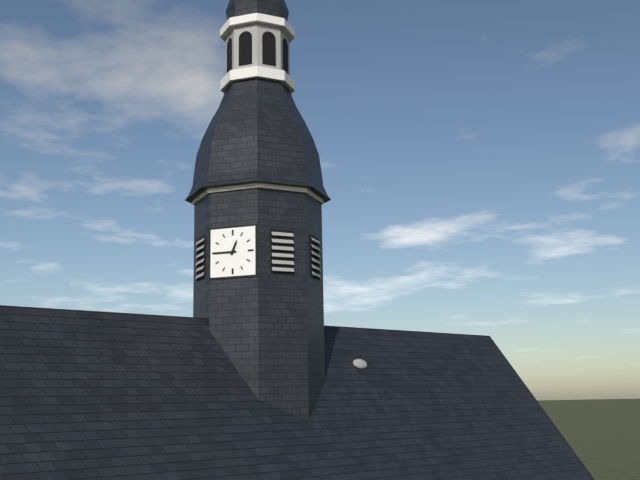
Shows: 12h45
